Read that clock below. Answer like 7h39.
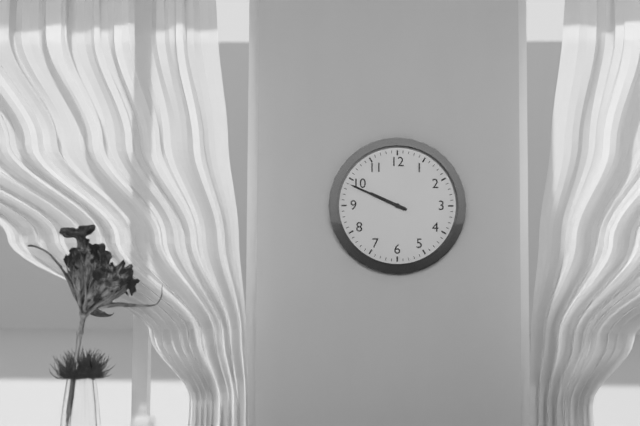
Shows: 9h49
